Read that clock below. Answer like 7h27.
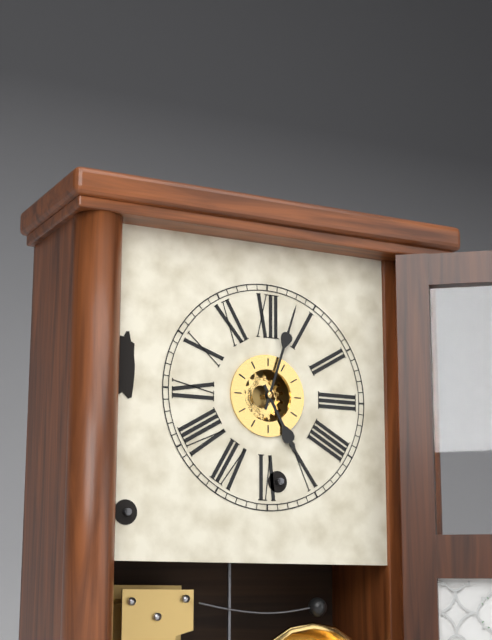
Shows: 5h03
